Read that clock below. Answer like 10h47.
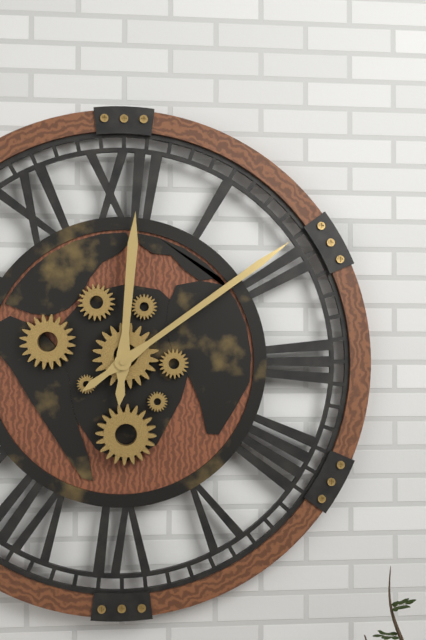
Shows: 12h09
